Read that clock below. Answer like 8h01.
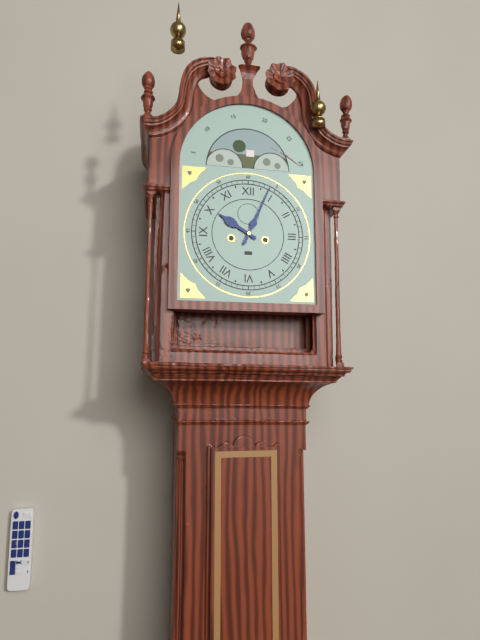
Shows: 10h04
